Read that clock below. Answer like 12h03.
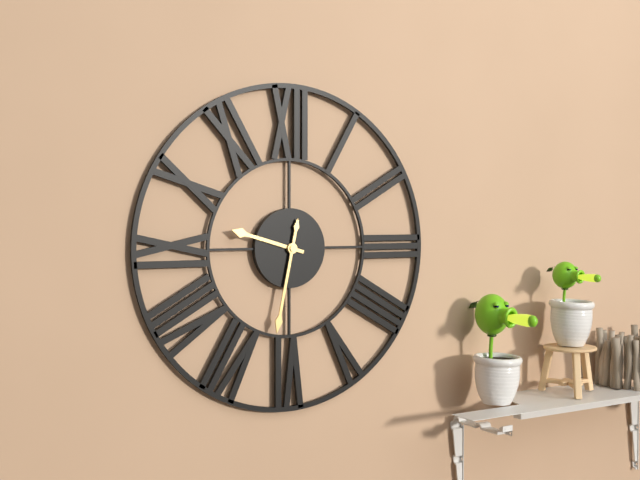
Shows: 9h32
